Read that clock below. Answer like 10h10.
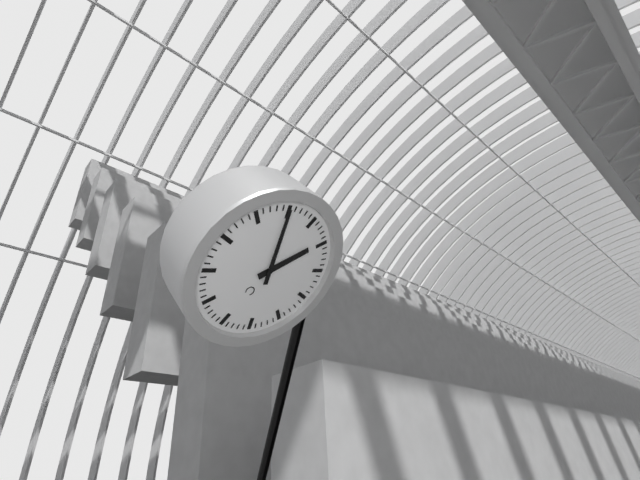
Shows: 12h55
